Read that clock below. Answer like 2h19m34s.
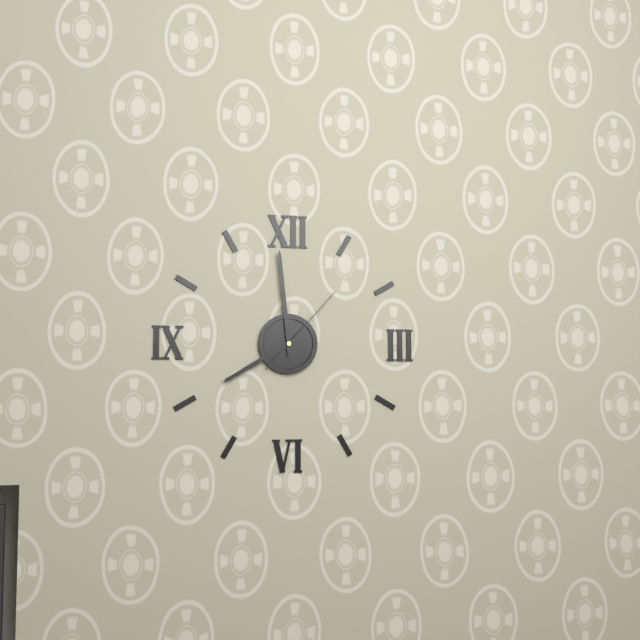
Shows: 7h59m07s
